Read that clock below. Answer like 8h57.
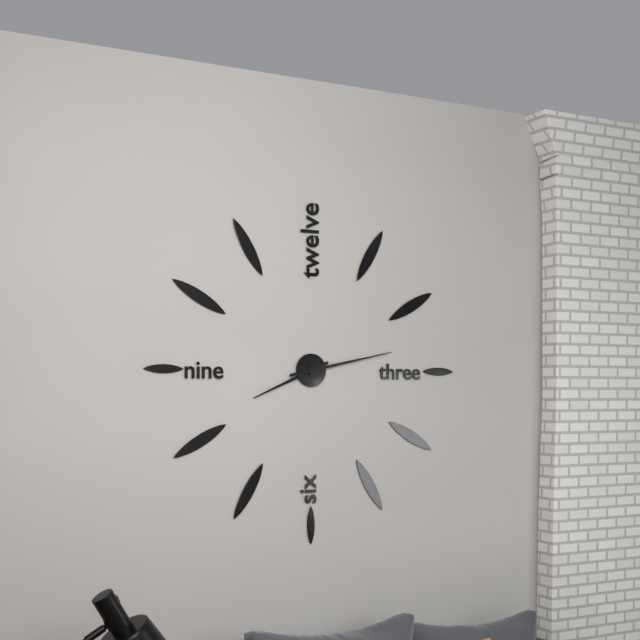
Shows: 8h13
